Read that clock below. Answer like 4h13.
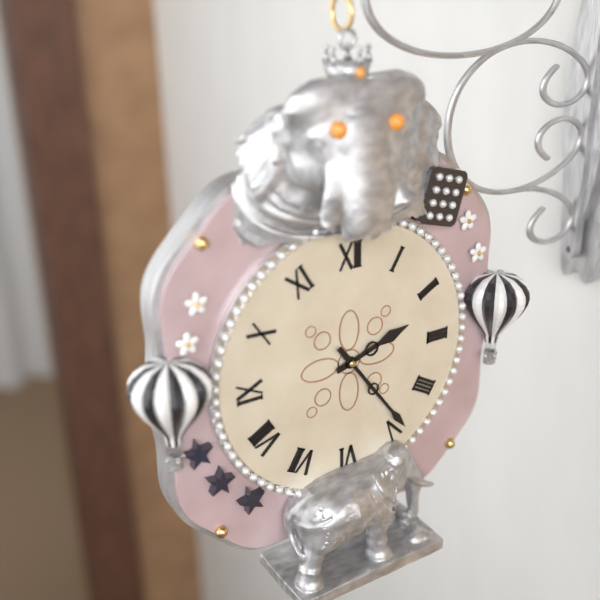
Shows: 2h24
